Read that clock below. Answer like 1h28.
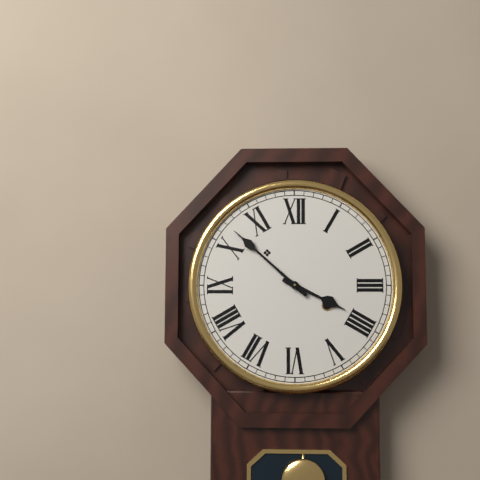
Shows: 3h52
